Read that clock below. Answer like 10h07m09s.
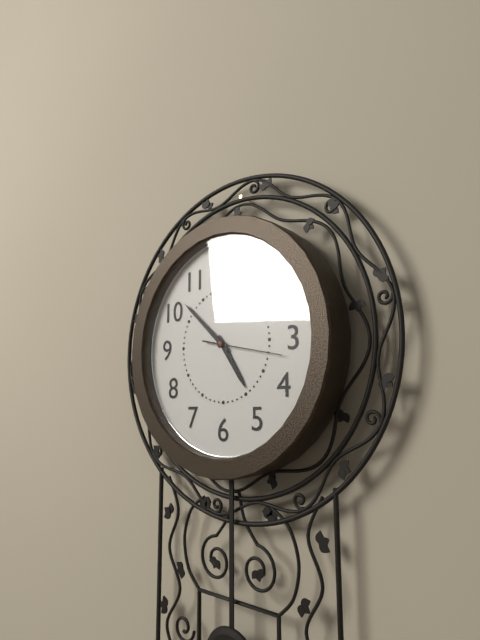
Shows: 4h52m17s
